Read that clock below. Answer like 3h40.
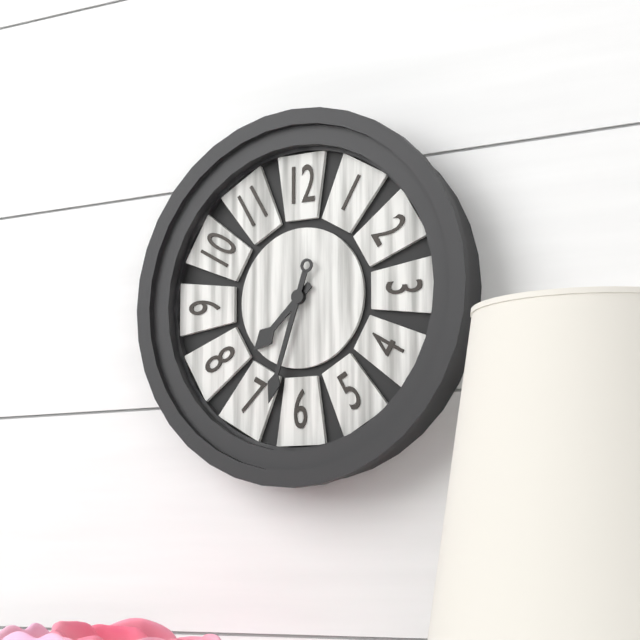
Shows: 7h33
